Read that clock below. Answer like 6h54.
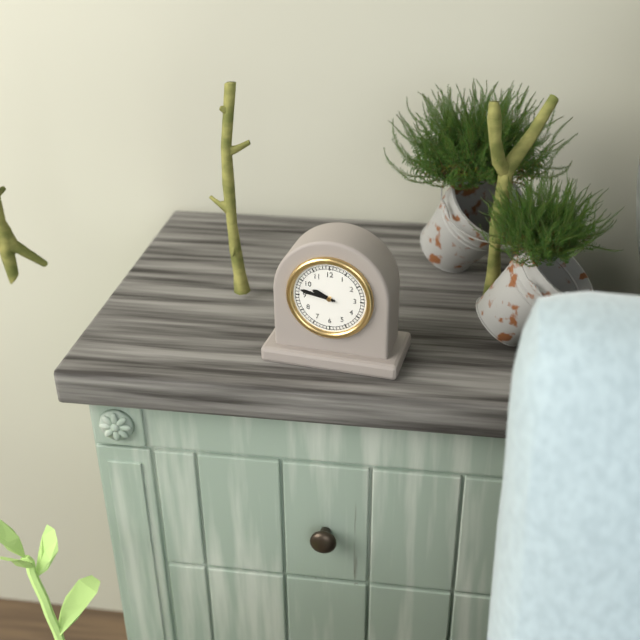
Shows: 9h47
